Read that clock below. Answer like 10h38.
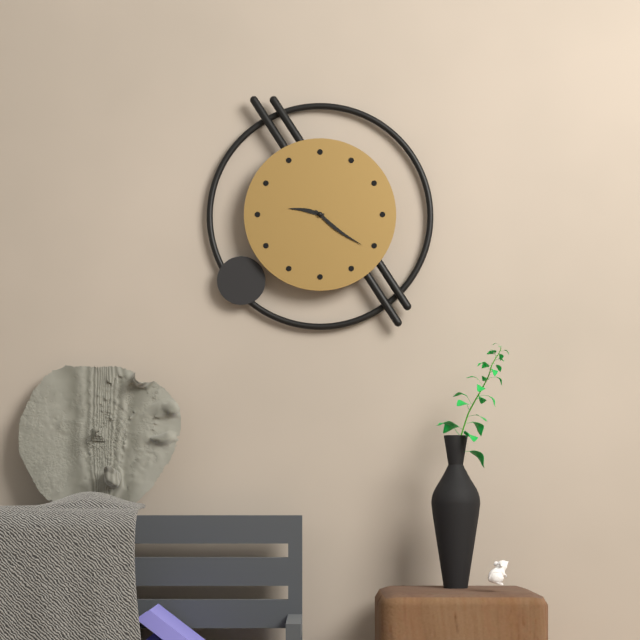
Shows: 9h21
